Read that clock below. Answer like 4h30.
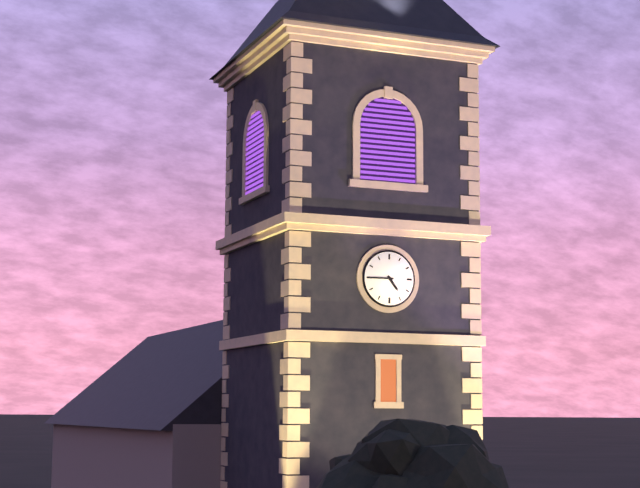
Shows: 4h45
